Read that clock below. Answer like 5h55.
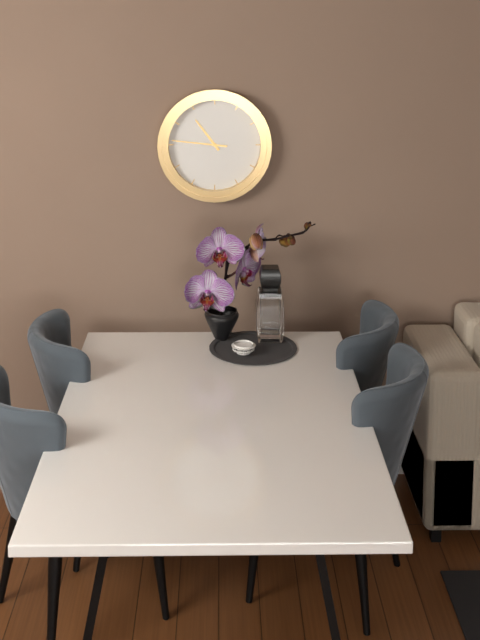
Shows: 10h46
